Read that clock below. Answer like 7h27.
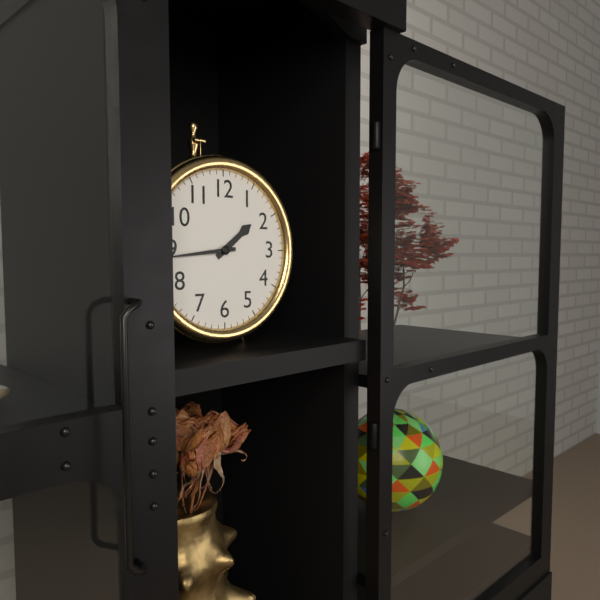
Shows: 1h44
